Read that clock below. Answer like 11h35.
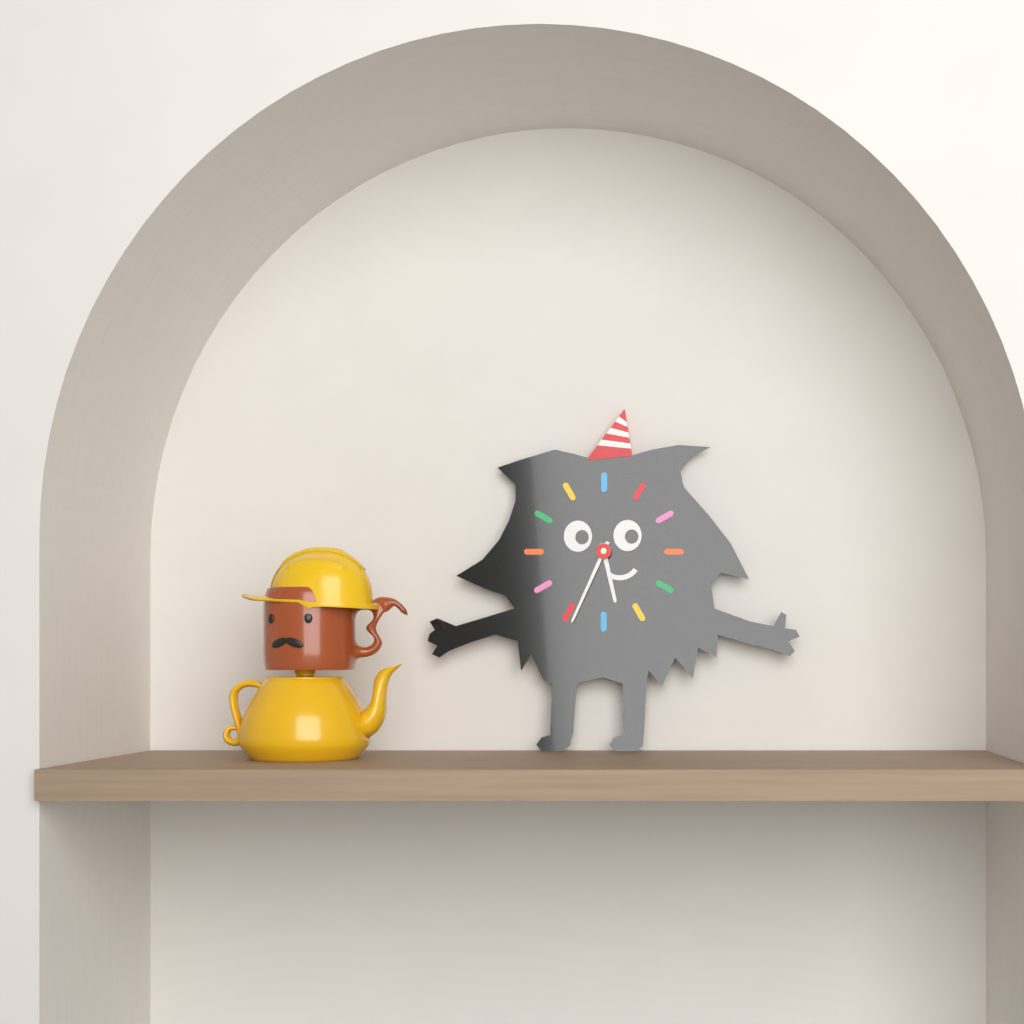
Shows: 5h34
